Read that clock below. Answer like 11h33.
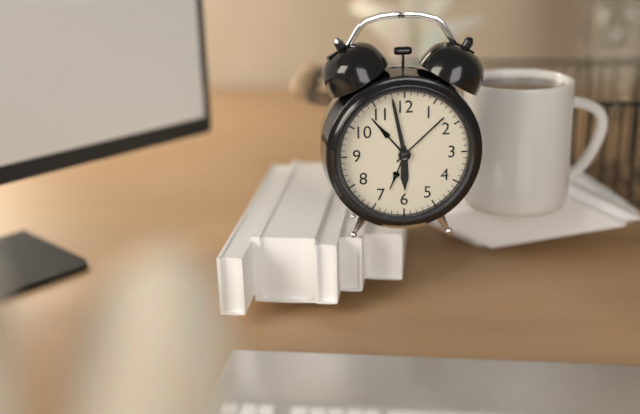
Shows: 5h58
